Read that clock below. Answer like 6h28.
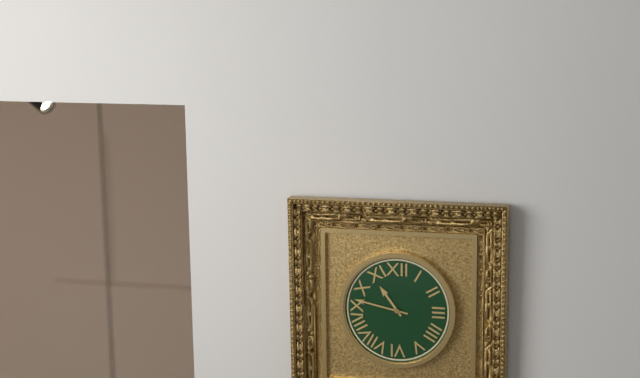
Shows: 10h47
